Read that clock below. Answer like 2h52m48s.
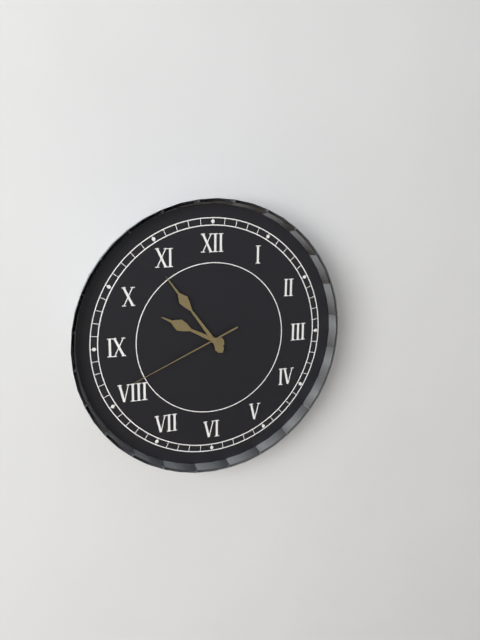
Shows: 9h54m41s
